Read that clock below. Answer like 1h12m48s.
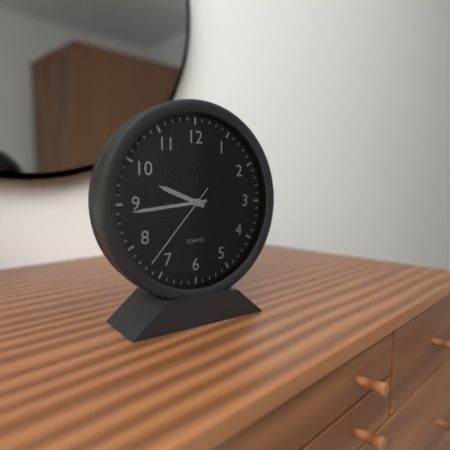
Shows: 9h44m37s
